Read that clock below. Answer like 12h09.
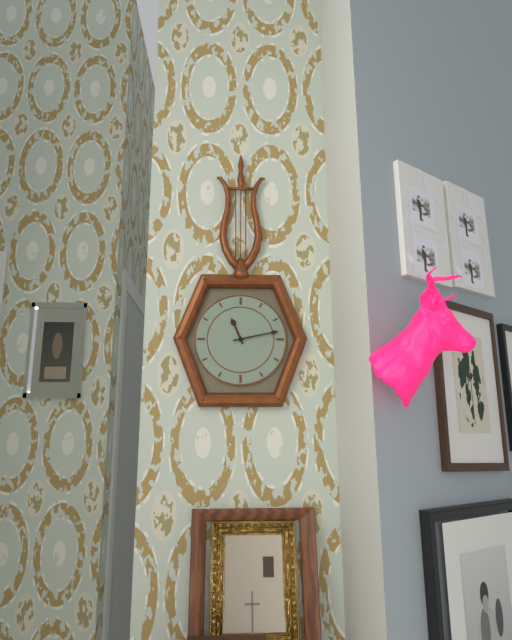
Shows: 11h13
